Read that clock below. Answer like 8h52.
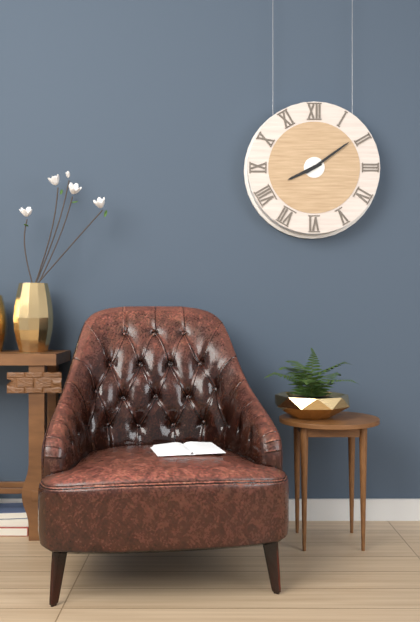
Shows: 8h09
